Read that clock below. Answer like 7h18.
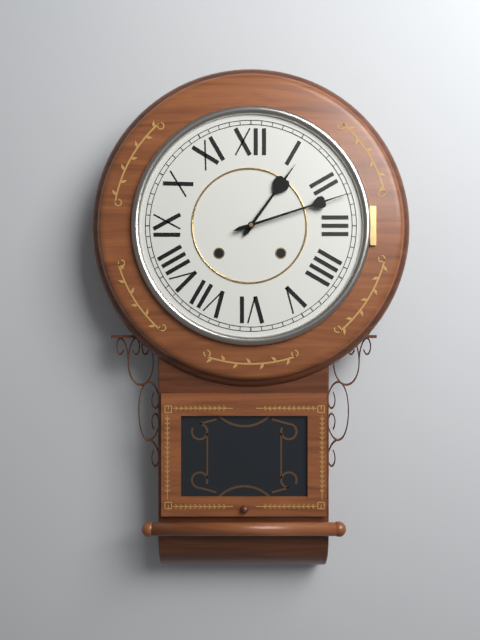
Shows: 1h12
